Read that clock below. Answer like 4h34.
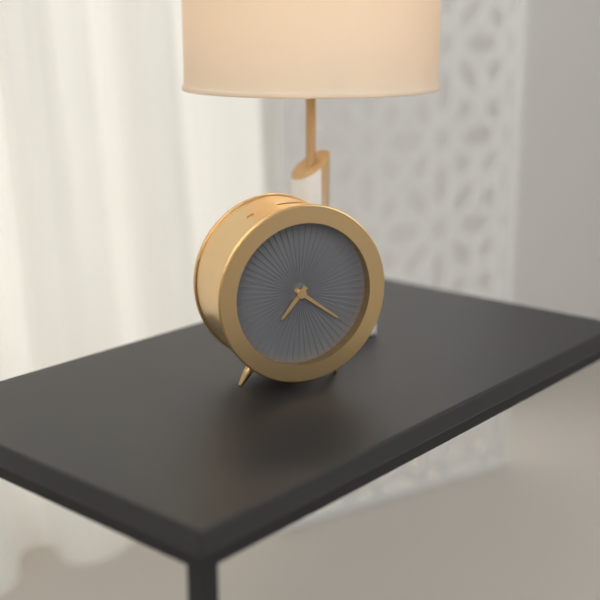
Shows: 7h21
